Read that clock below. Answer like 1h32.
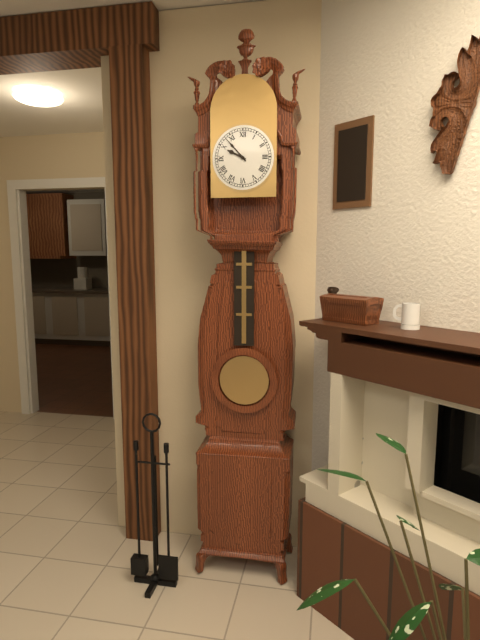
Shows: 9h53
